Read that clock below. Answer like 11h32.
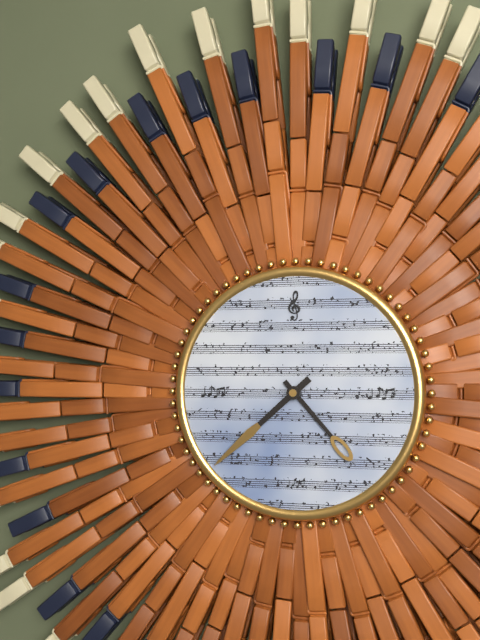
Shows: 4h38
